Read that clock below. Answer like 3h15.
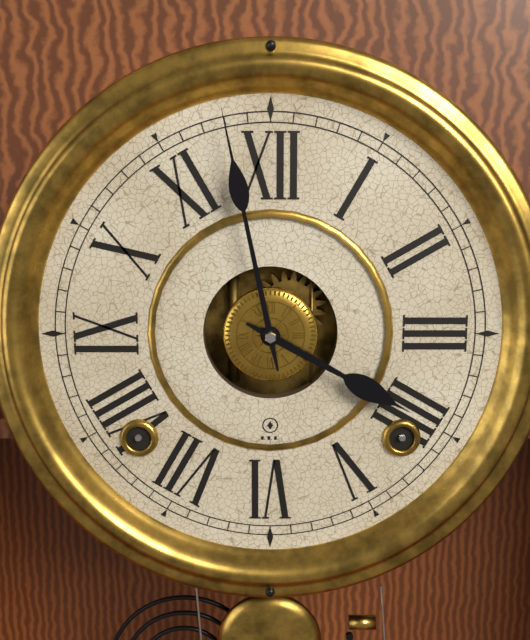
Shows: 3h58
